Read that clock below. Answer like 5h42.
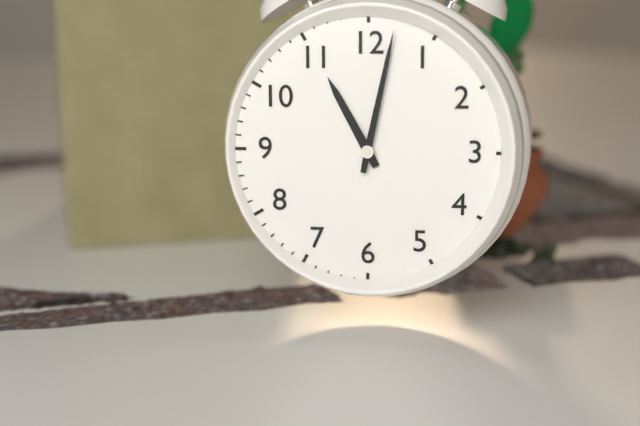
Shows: 11h02
